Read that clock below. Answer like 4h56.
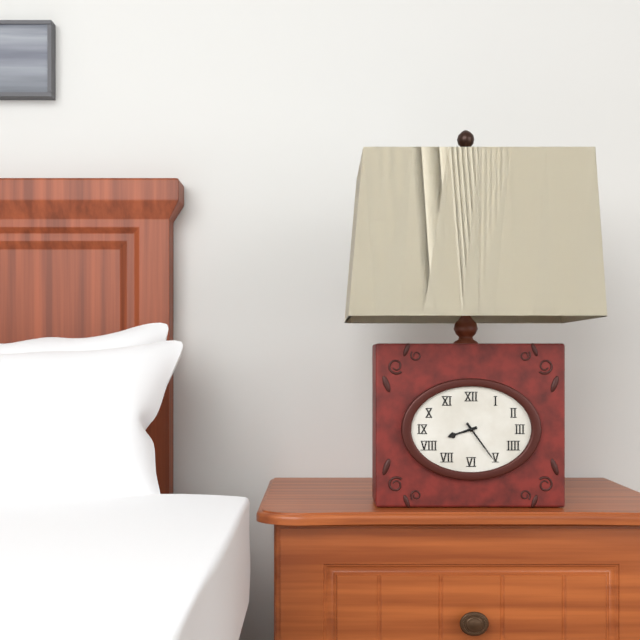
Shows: 8h24
